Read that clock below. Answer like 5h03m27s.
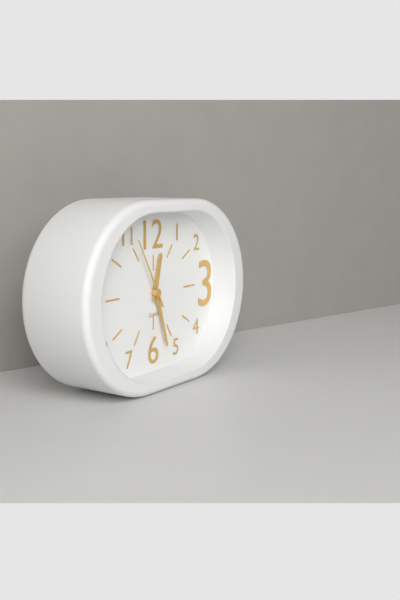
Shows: 12h27m55s
